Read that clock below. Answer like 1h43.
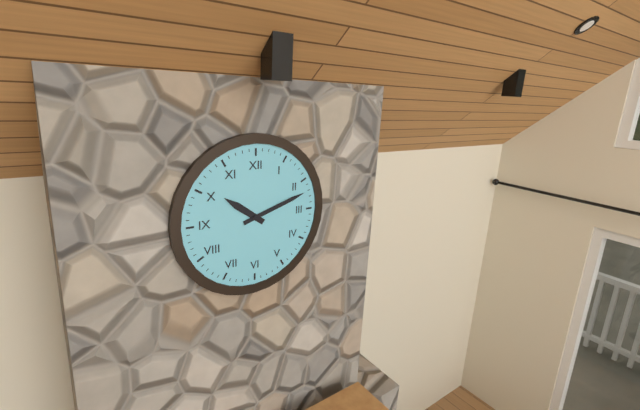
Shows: 10h12
